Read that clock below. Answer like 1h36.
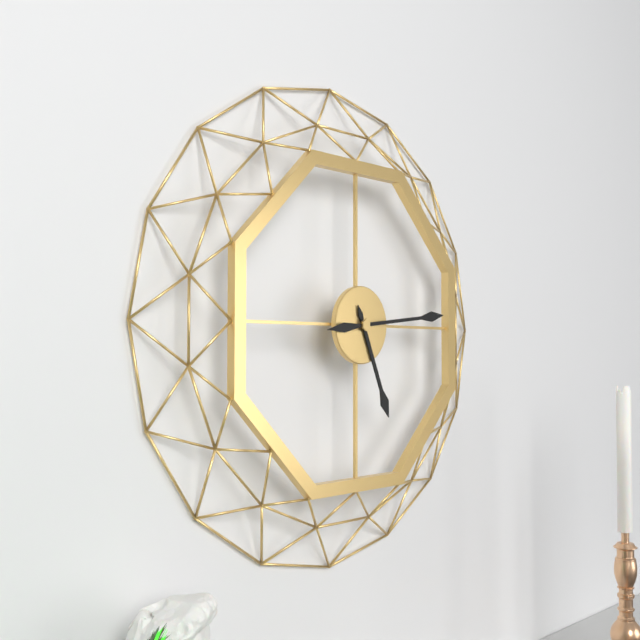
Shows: 5h14
